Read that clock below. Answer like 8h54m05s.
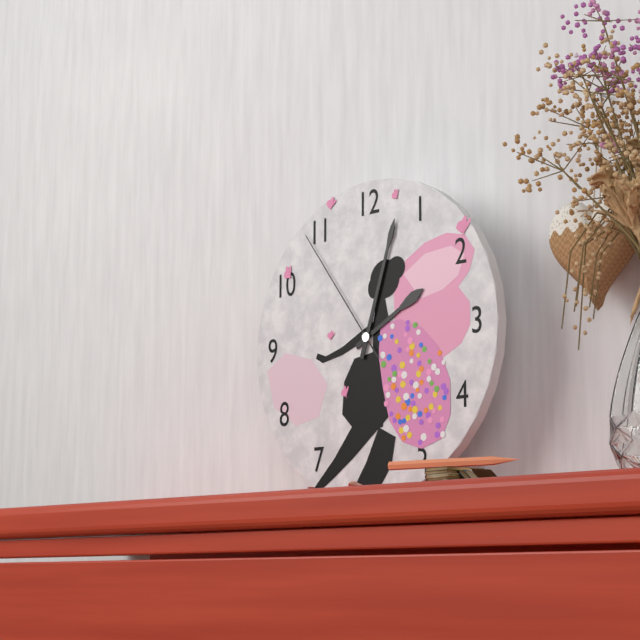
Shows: 2h03m54s
